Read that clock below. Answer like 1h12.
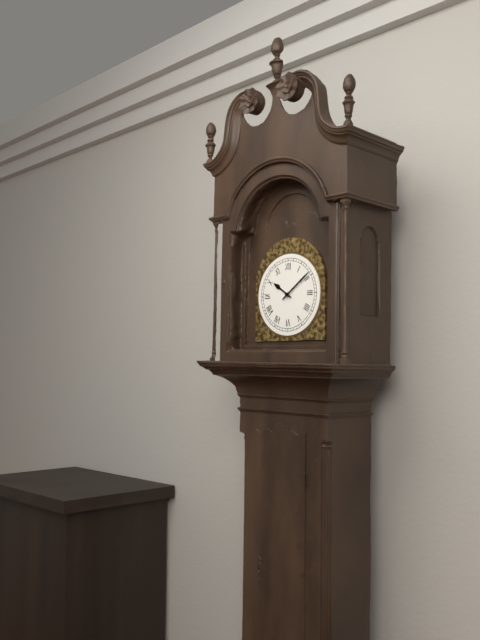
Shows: 10h09
